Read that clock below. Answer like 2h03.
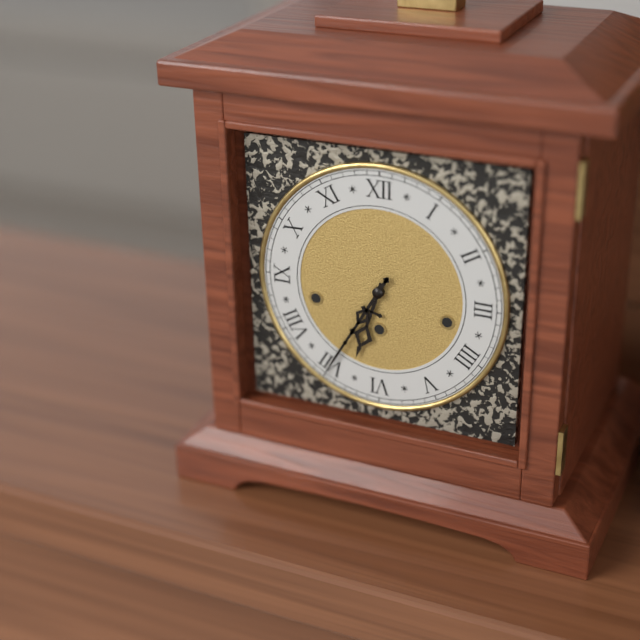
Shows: 6h35
